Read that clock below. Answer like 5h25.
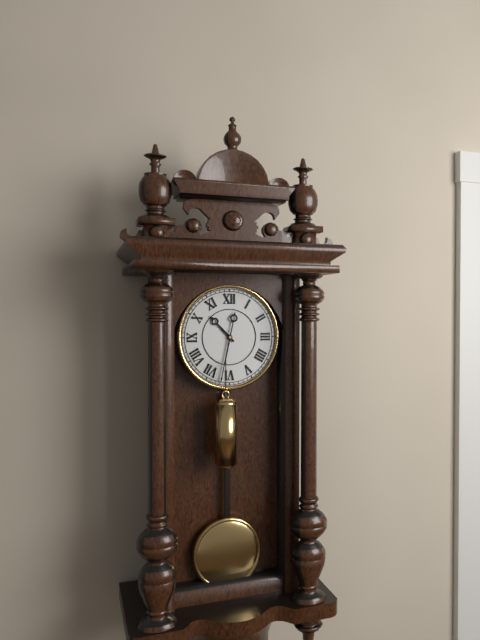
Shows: 10h32
